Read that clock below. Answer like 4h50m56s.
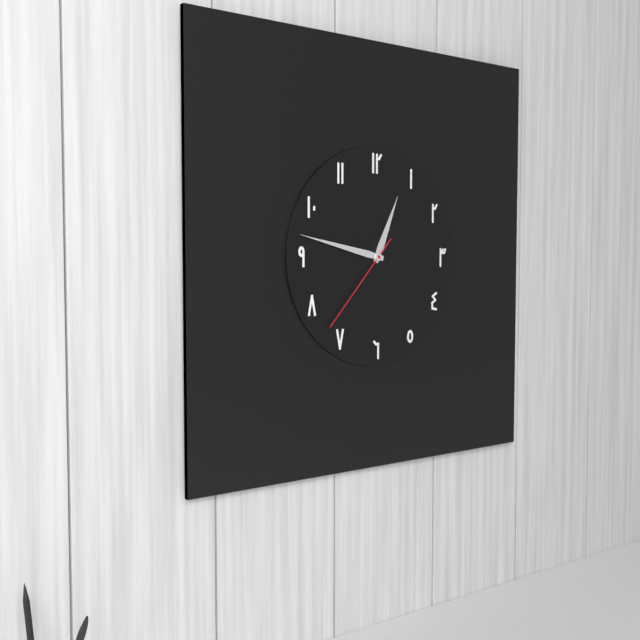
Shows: 12h47m37s
